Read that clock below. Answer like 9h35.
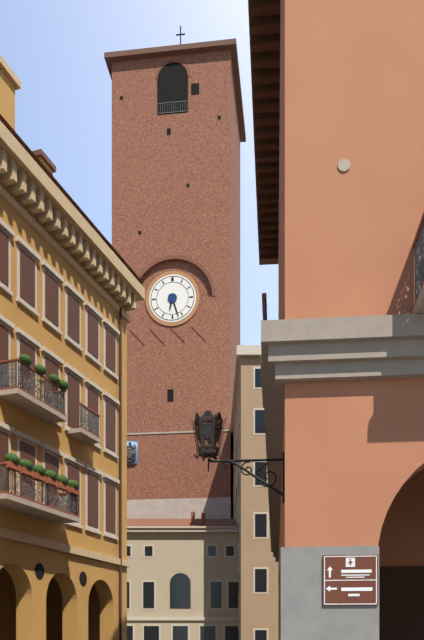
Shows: 6h27
